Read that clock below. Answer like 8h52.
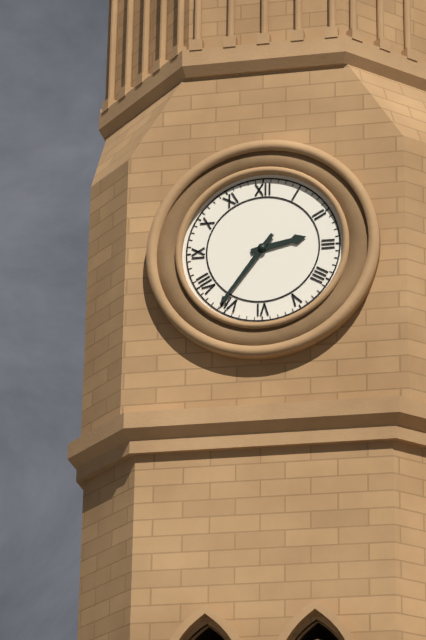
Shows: 2h36
